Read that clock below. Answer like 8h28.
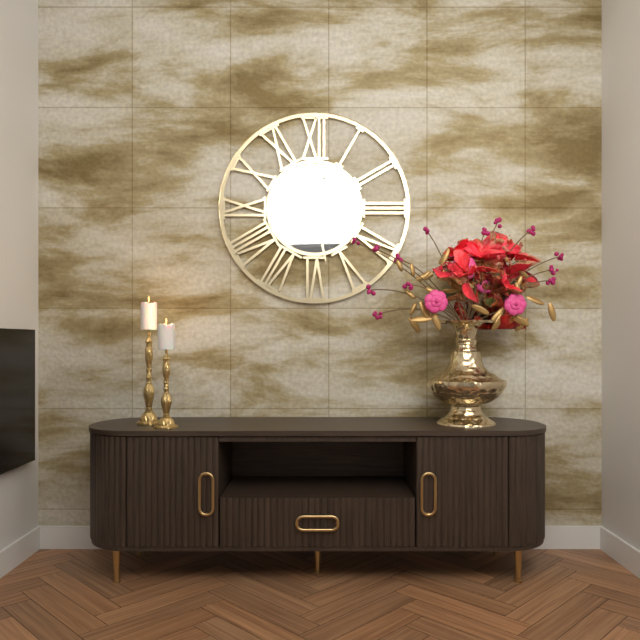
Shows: 12h28
